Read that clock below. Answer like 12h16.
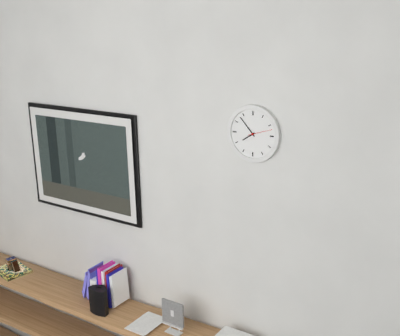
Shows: 7h53
